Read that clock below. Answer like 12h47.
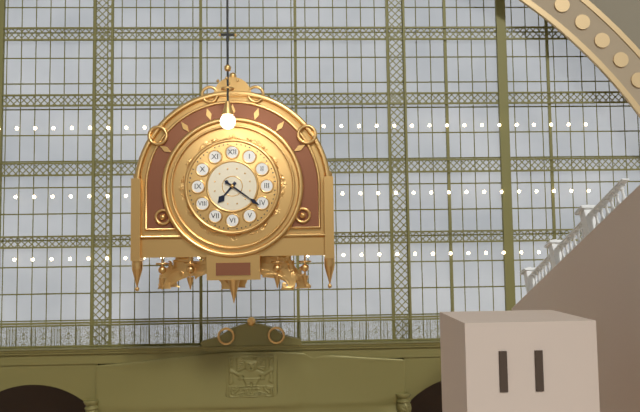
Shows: 7h21
